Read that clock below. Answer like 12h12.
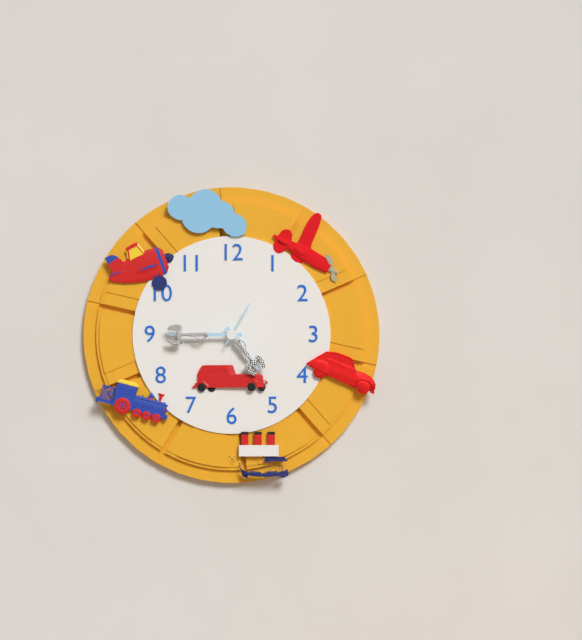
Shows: 4h45
